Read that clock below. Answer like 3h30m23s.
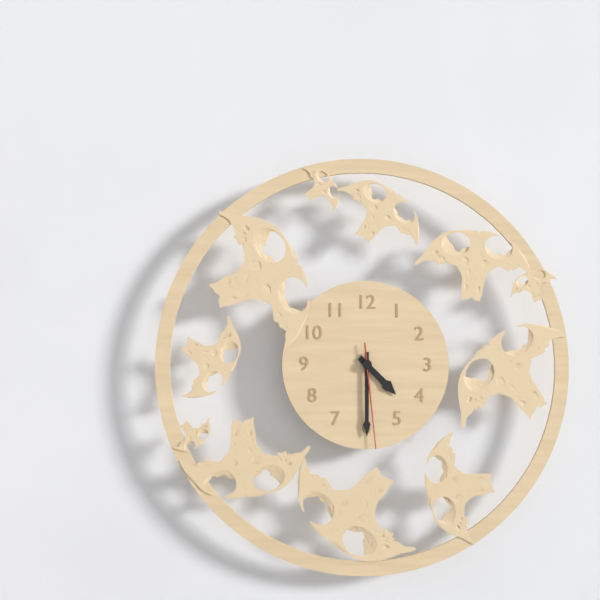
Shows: 4h30m29s
